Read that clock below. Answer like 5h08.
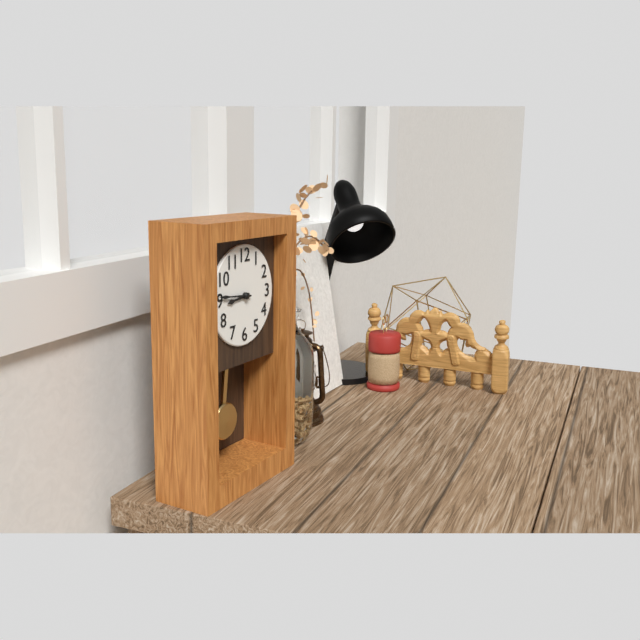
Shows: 8h46
